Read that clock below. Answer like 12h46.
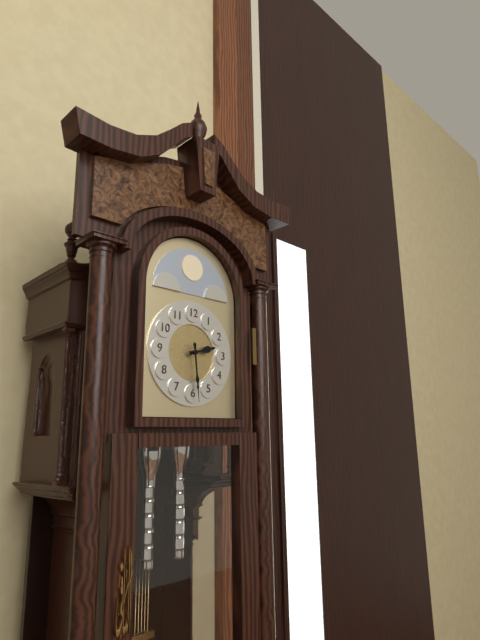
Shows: 2h29
